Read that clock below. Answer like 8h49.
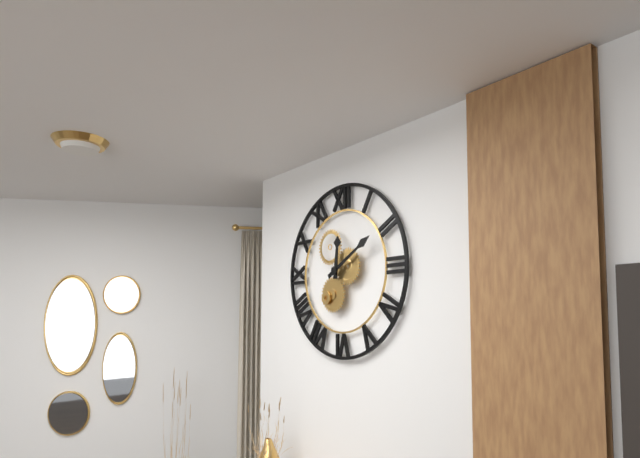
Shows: 12h10
